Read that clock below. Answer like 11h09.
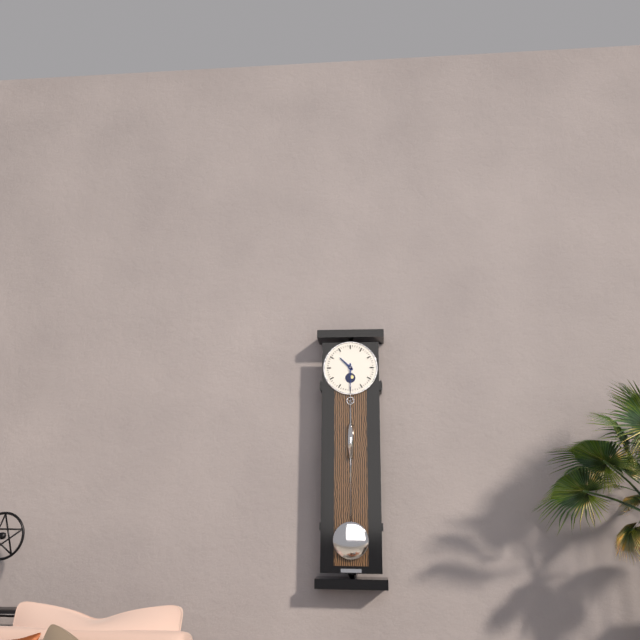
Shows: 10h30
